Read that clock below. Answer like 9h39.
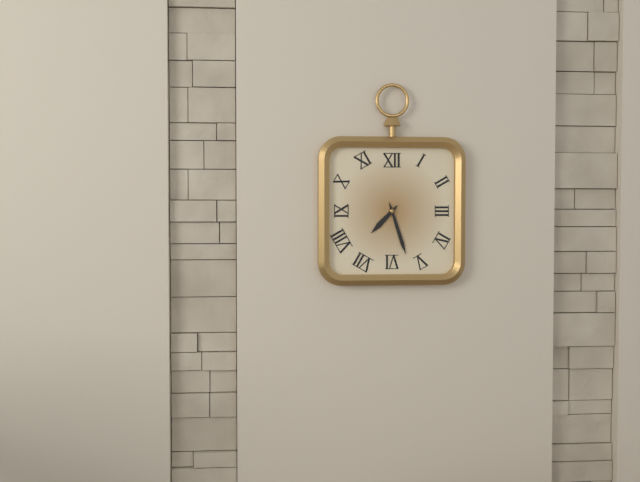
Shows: 7h27
